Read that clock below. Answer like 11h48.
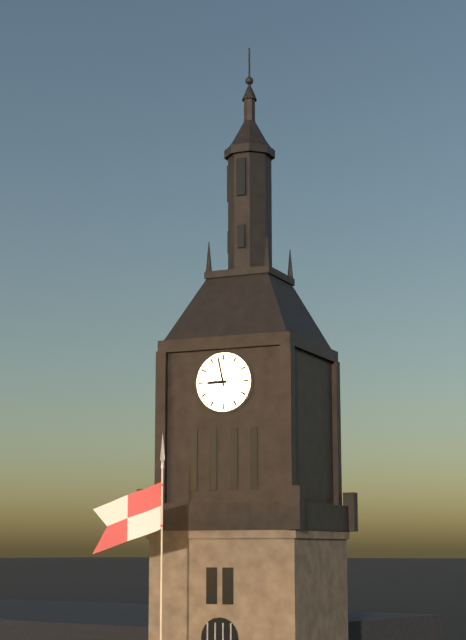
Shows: 8h58
